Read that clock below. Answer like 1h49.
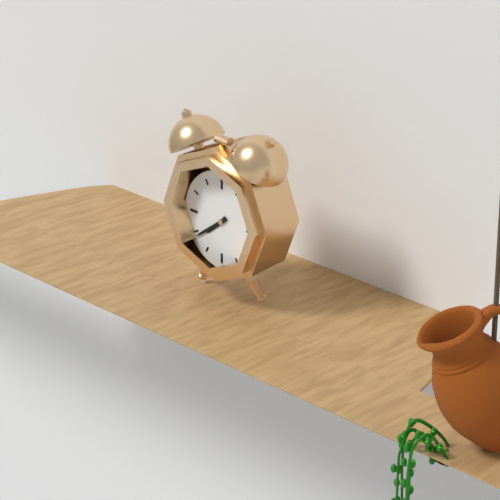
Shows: 7h39
